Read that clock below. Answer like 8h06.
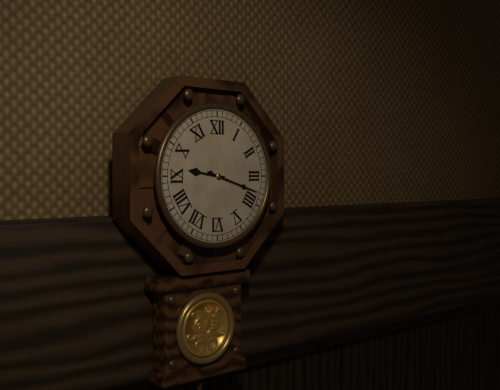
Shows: 9h18
